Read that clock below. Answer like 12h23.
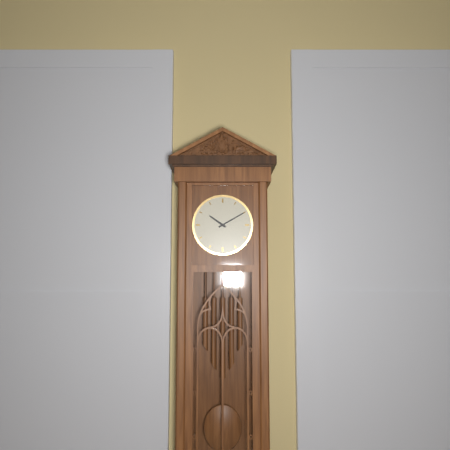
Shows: 10h10
